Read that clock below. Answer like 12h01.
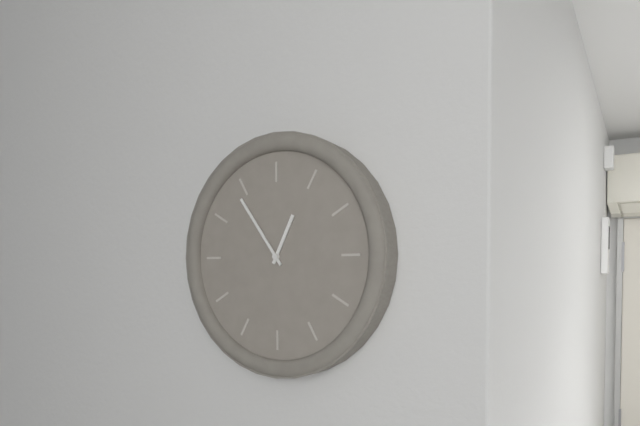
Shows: 12h54
